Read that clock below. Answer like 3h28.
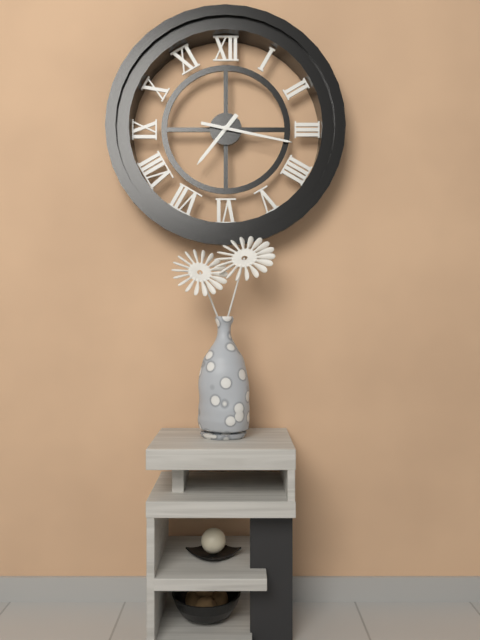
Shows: 7h17
